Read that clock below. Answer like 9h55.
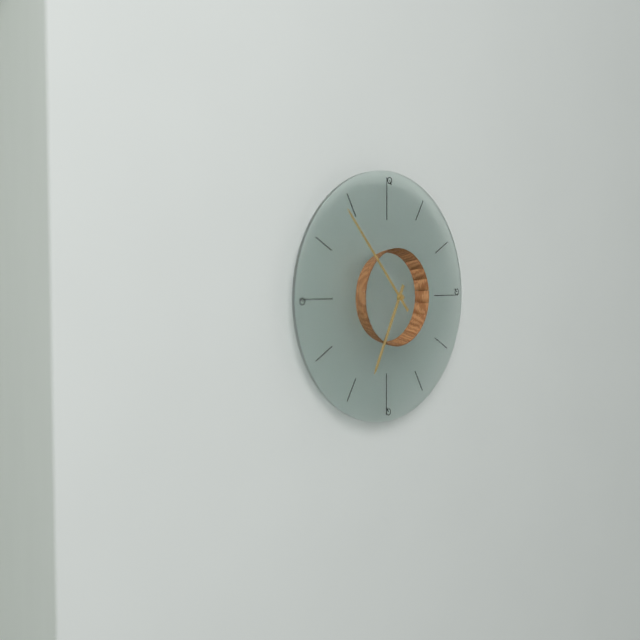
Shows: 6h53
